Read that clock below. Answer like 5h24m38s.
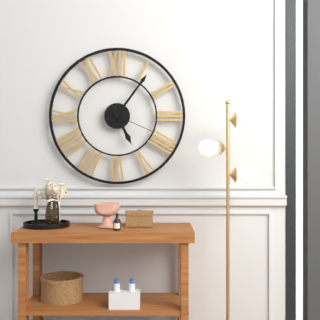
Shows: 5h06m19s
